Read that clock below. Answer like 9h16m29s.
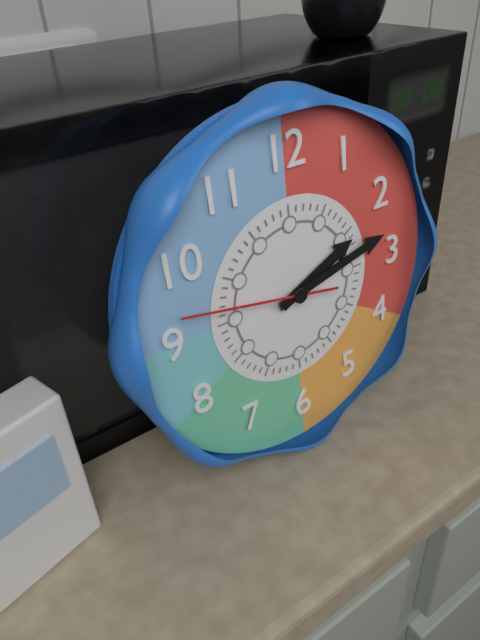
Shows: 2h13m47s
